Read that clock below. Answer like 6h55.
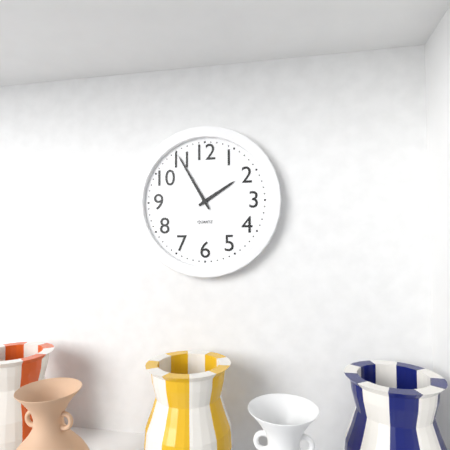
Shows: 1h55
